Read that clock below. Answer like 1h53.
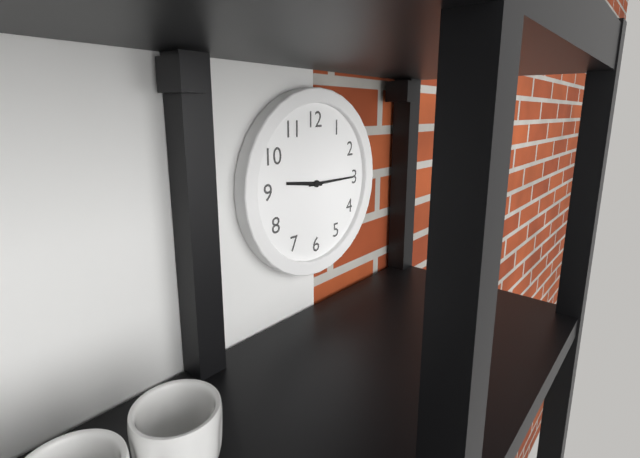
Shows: 9h15
